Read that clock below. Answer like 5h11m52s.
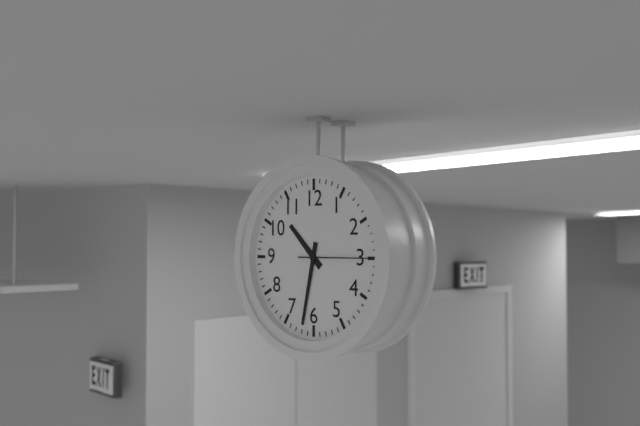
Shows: 10h32m15s
